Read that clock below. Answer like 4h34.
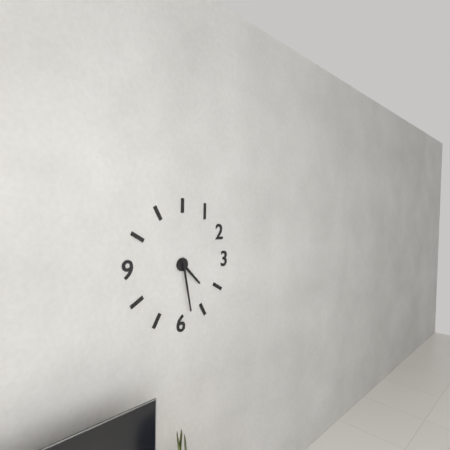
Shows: 4h28
